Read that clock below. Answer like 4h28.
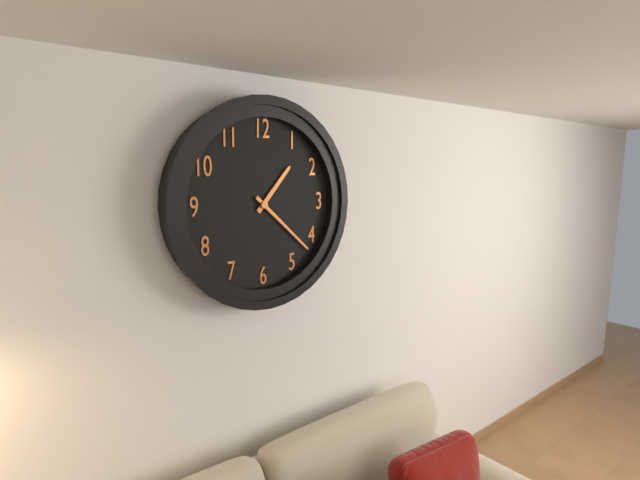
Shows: 1h22
